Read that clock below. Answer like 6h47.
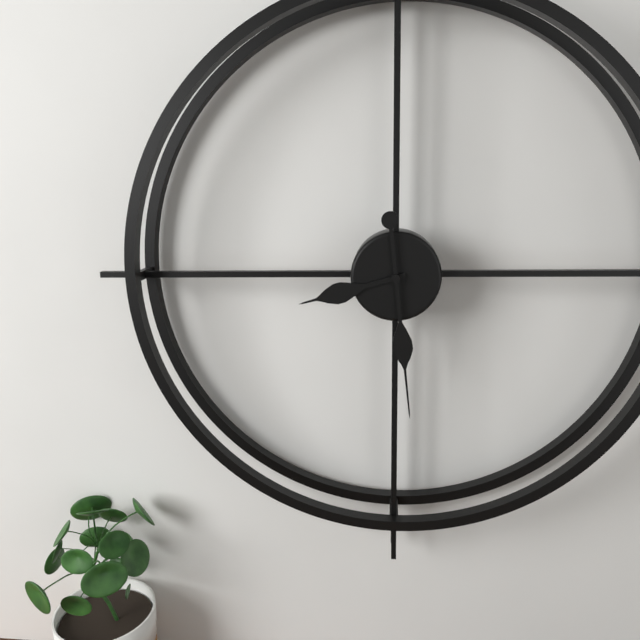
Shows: 8h29
